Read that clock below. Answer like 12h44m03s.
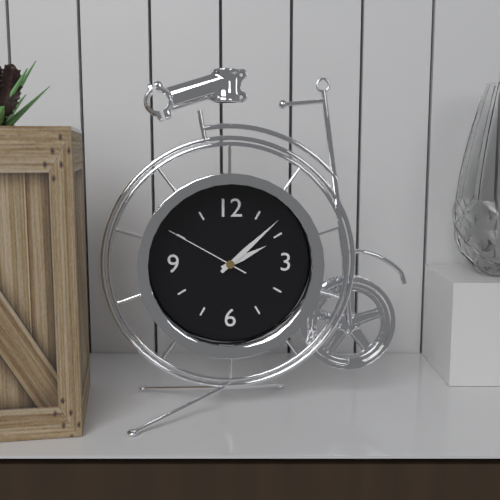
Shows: 2h08m50s
